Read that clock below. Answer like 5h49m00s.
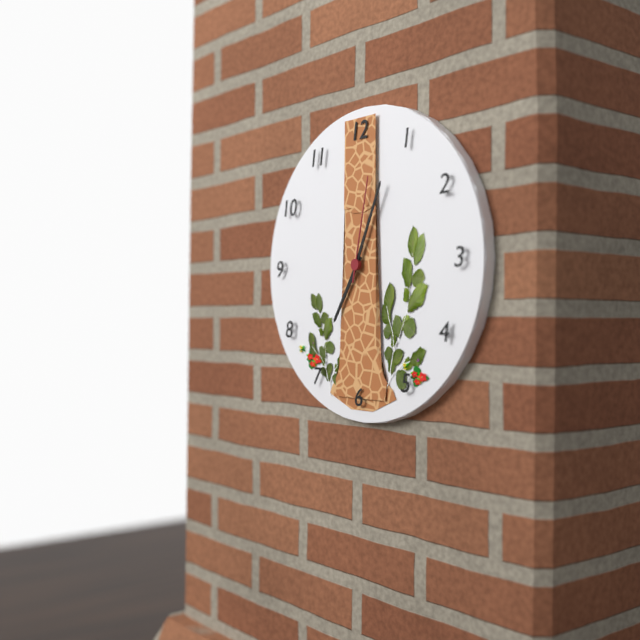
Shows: 7h04m02s
